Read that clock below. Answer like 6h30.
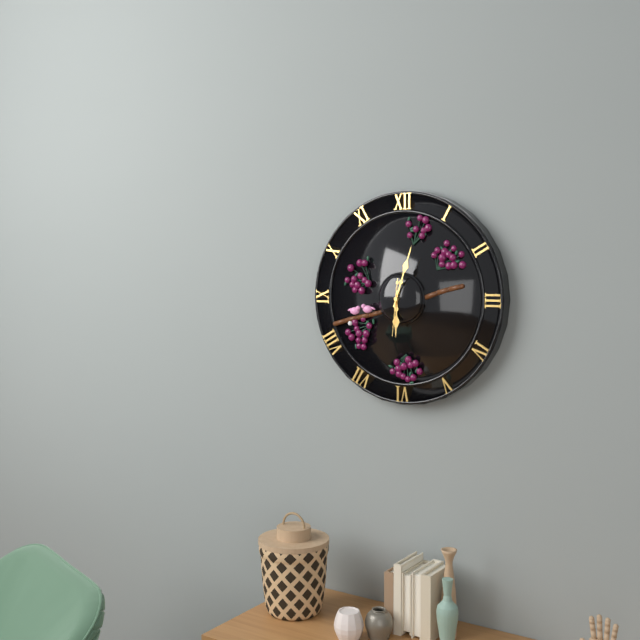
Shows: 6h03
